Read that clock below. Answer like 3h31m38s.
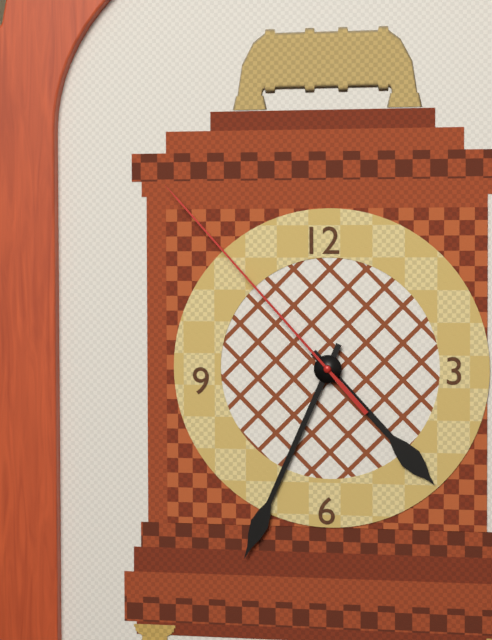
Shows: 4h34m53s
